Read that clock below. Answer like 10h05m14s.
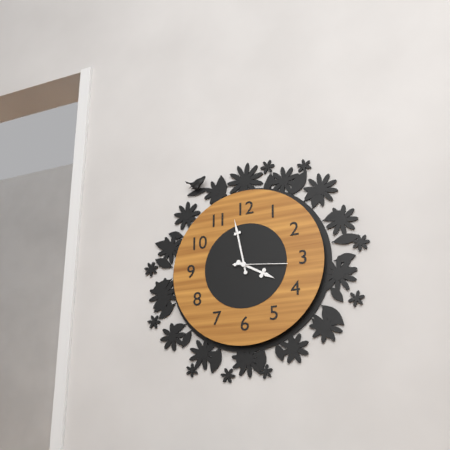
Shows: 3h58m16s
